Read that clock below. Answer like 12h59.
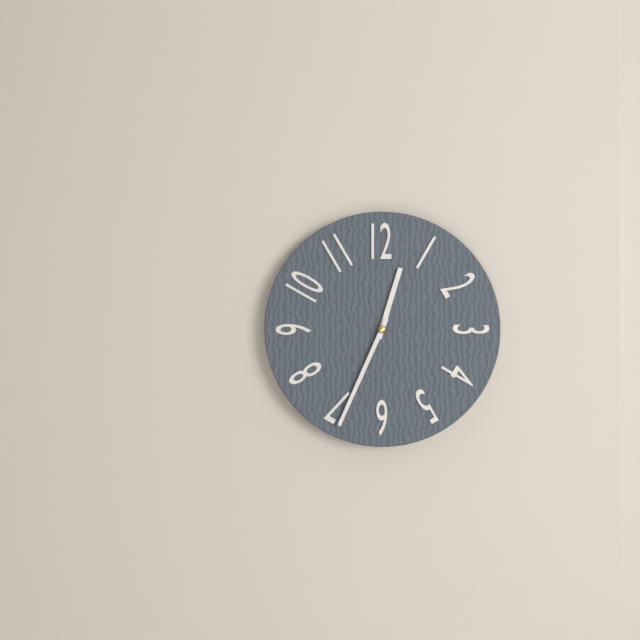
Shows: 12h34
